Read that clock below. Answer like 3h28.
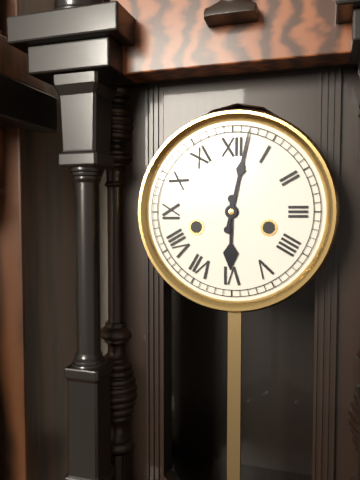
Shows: 6h02
